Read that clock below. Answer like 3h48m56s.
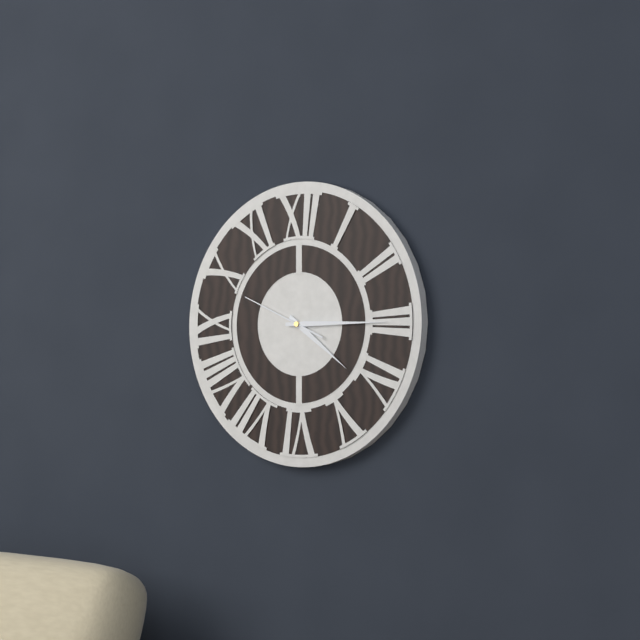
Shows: 4h15m49s
